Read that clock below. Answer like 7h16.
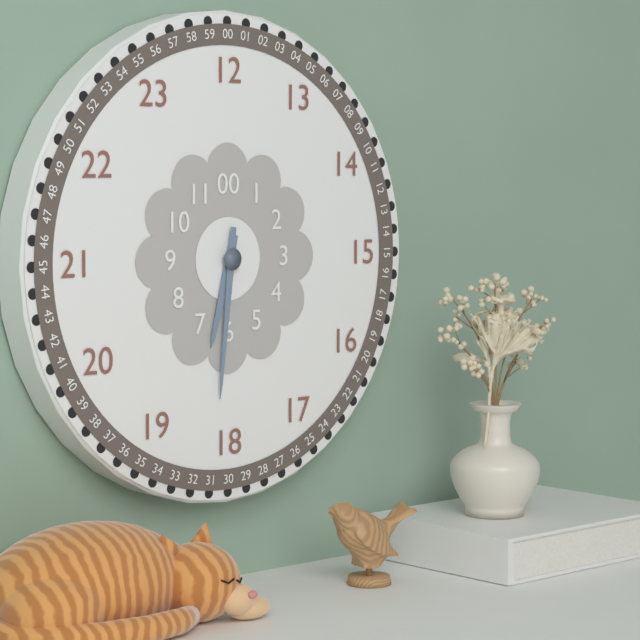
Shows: 6h31
